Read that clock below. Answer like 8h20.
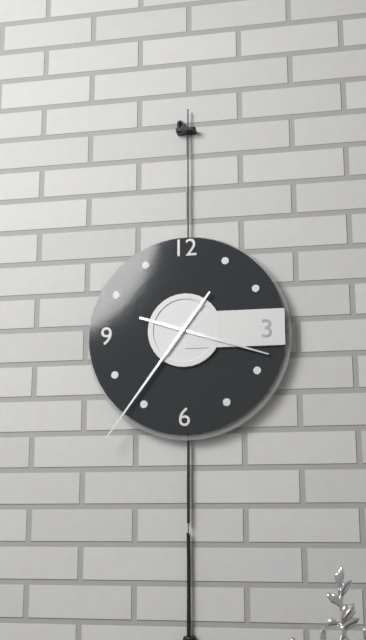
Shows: 3h36
